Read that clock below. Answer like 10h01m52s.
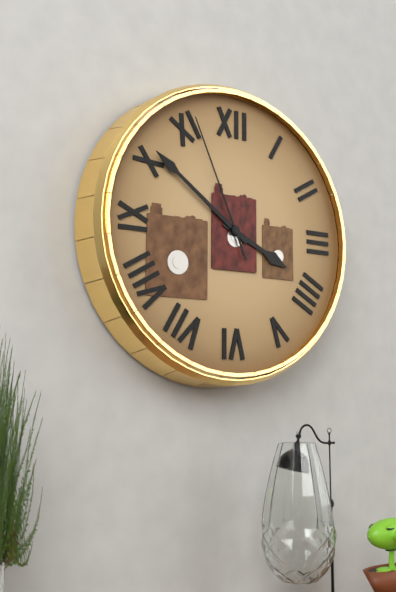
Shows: 3h51m56s
